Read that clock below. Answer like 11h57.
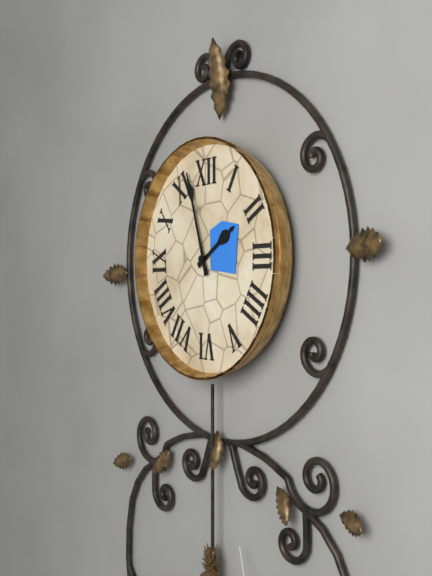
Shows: 1h57
